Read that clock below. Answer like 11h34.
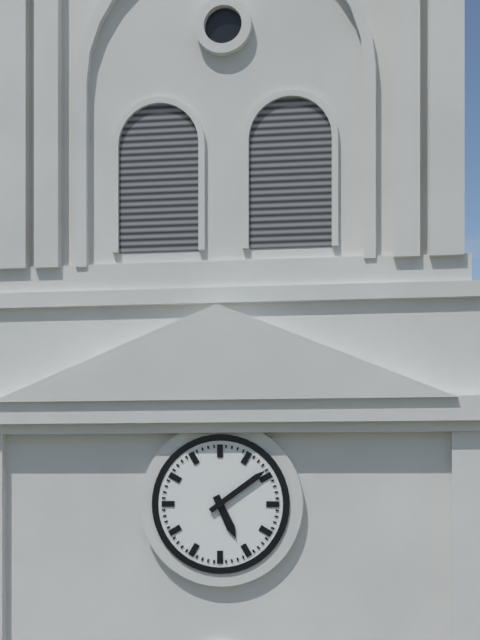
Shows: 5h09
